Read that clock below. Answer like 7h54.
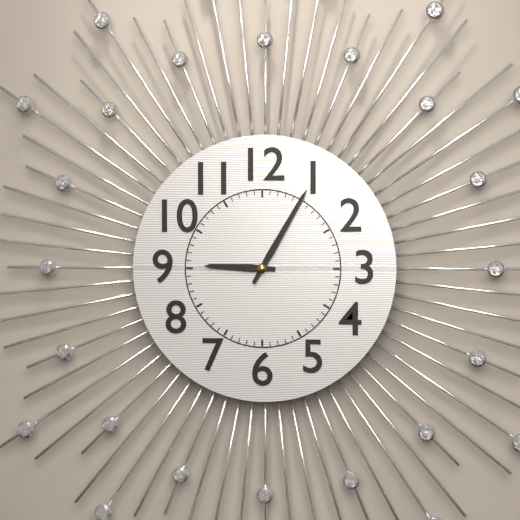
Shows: 9h05
